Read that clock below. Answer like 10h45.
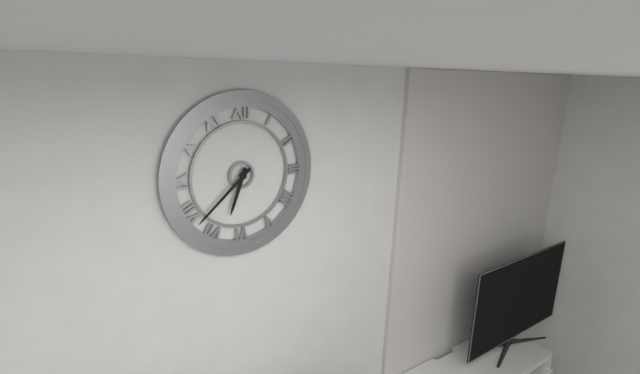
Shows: 6h38
